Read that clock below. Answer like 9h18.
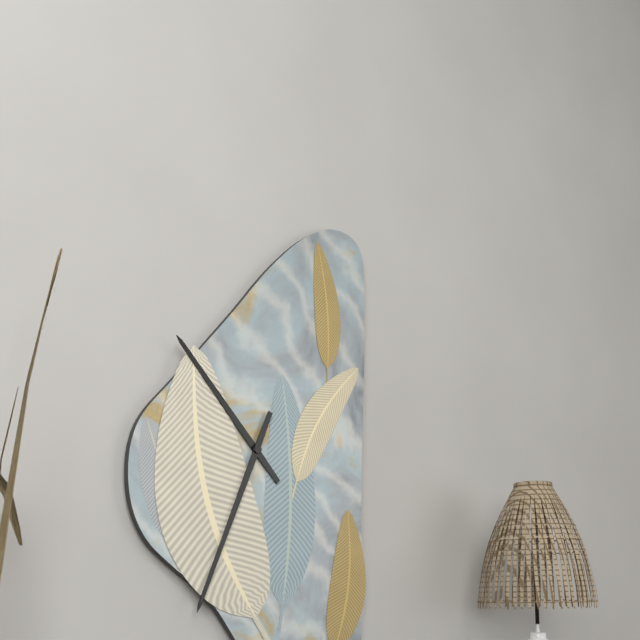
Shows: 10h34
